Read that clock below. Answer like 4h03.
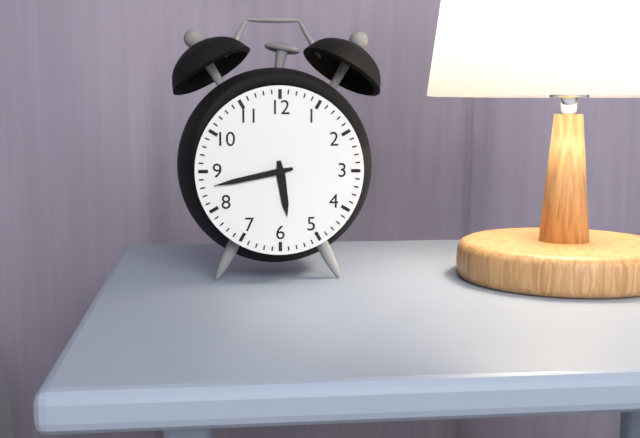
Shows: 5h43
